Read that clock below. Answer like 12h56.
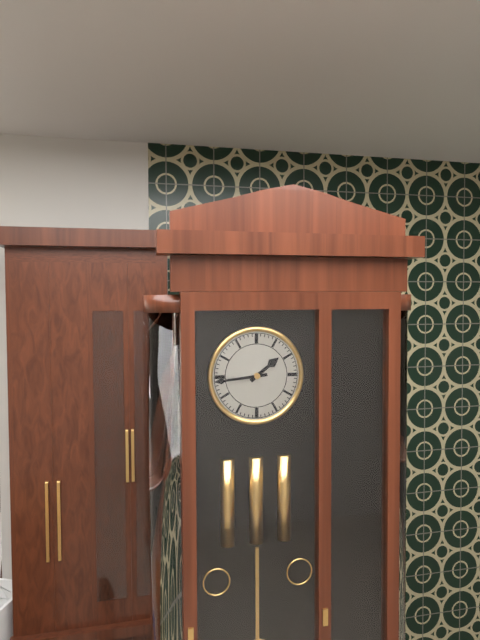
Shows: 1h44
